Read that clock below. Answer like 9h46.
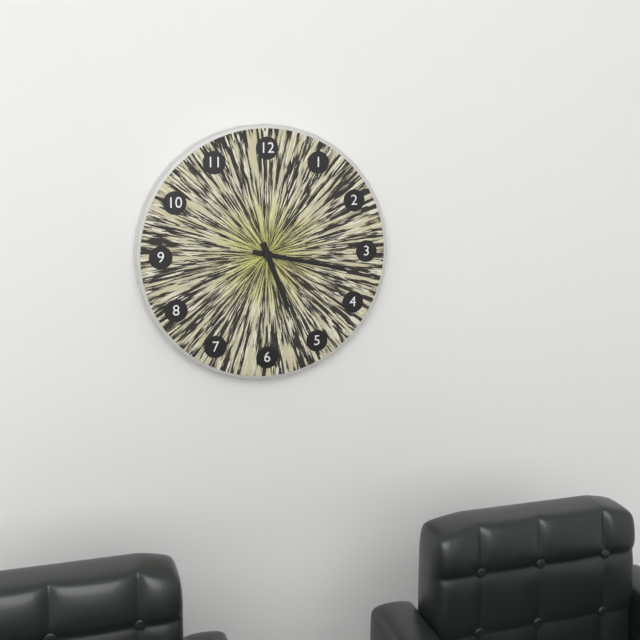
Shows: 5h17
